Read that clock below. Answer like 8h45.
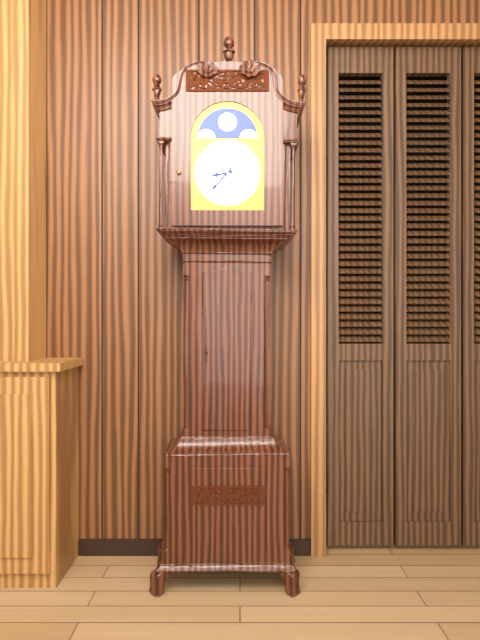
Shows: 8h37
